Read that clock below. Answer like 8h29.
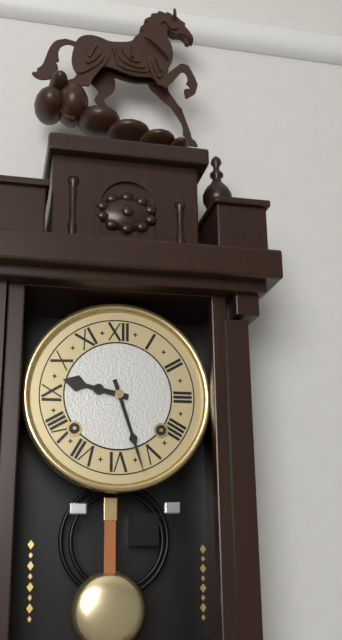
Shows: 9h27
